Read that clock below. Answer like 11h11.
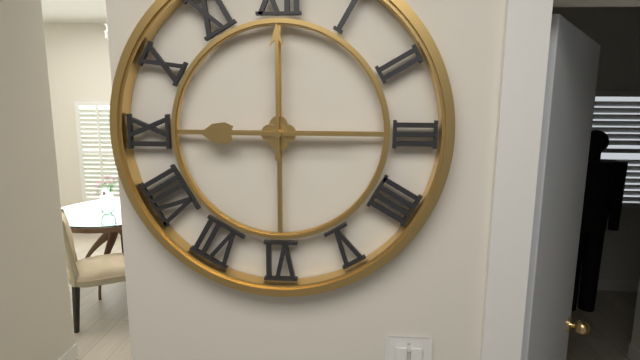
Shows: 9h00
